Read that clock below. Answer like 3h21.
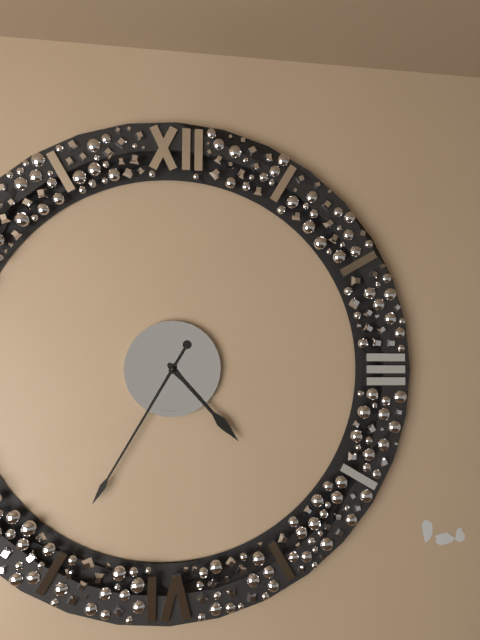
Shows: 4h35
